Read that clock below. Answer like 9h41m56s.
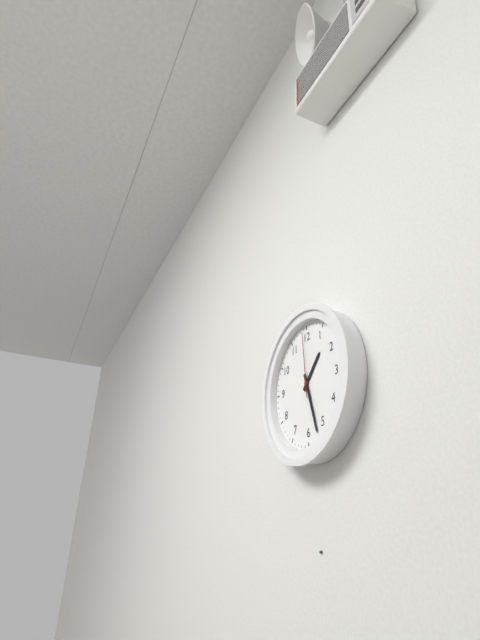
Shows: 1h27m59s
